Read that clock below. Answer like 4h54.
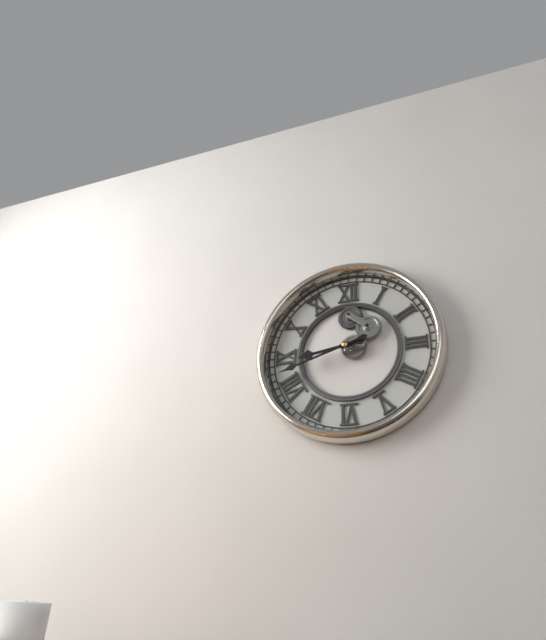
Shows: 8h42
